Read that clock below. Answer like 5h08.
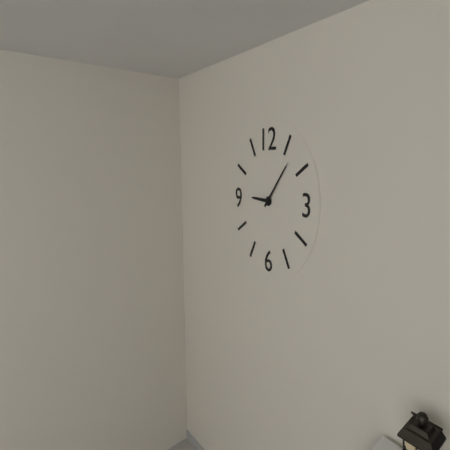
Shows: 9h07
